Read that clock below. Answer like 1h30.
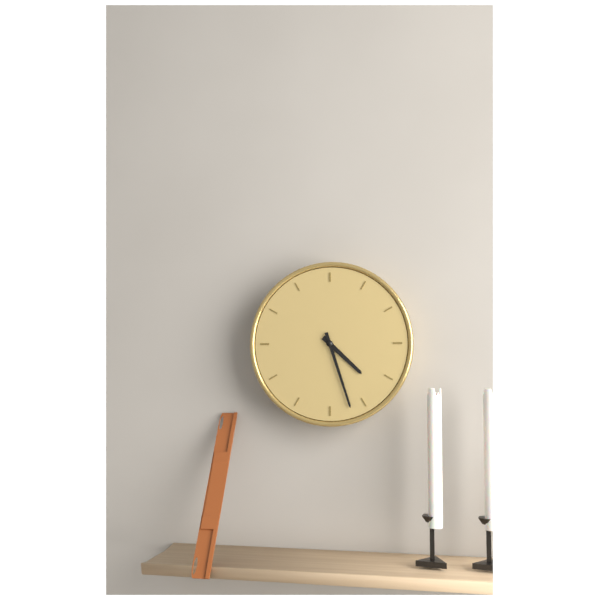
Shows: 4h27
